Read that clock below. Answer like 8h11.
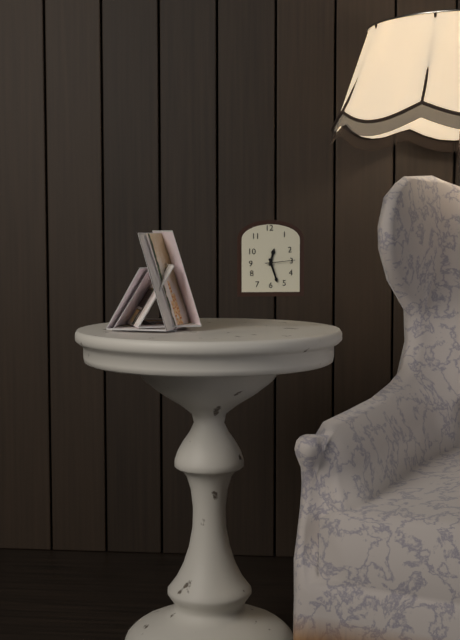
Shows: 12h27
